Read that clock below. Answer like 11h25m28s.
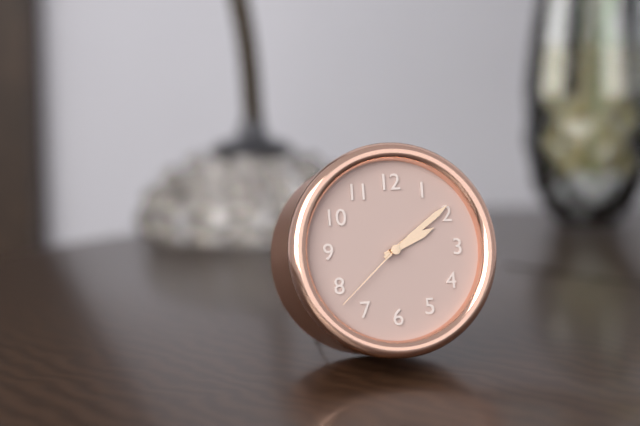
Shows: 2h09m38s
